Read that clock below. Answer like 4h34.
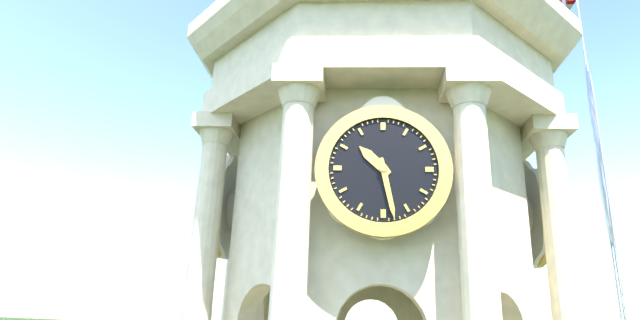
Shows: 10h28
